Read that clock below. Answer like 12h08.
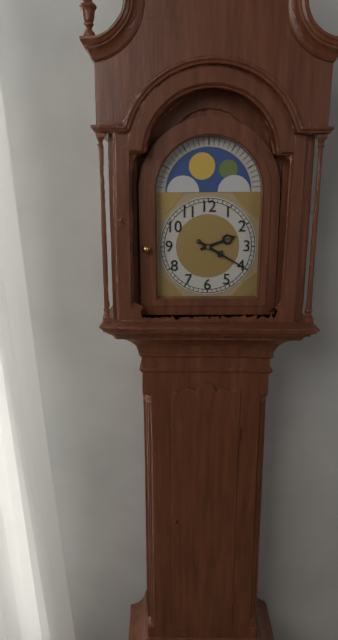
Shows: 2h20
